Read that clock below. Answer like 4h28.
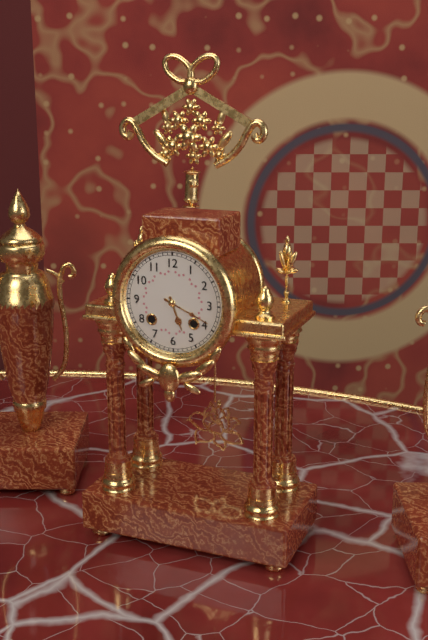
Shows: 5h19
